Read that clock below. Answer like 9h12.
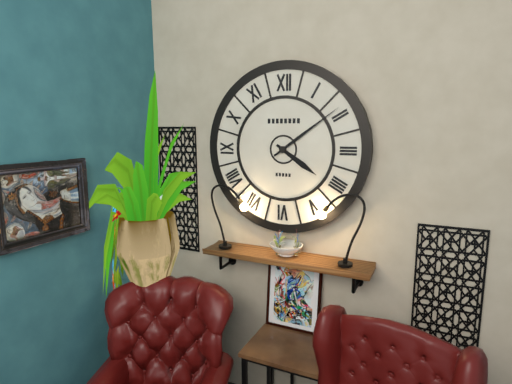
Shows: 4h09
